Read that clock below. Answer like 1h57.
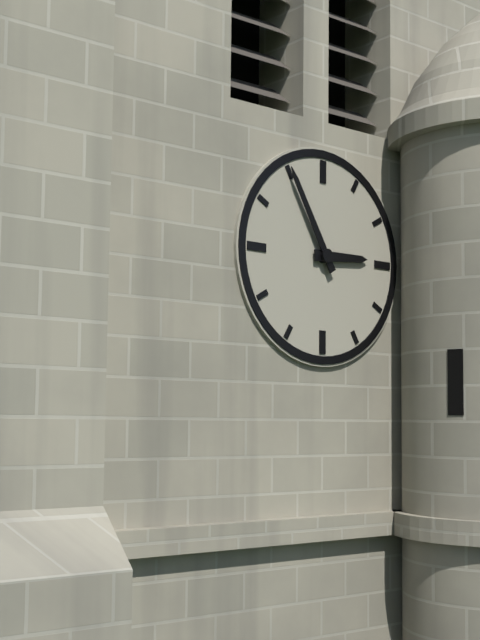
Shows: 2h55
